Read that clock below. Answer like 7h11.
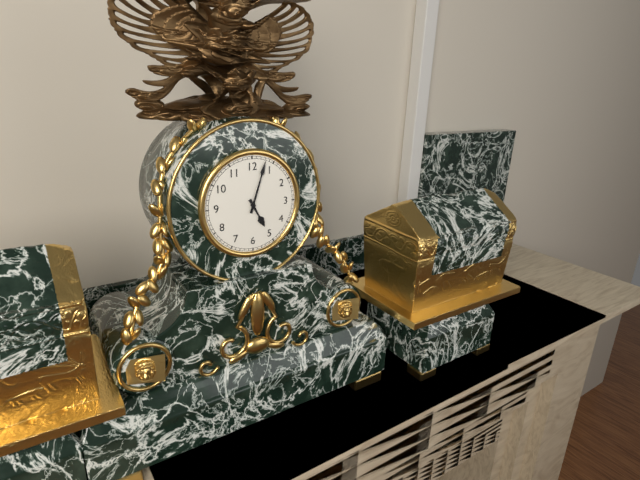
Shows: 5h03
